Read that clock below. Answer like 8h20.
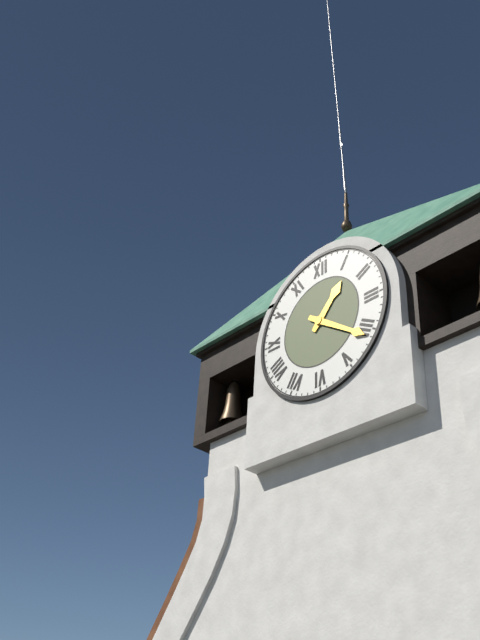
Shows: 1h21
